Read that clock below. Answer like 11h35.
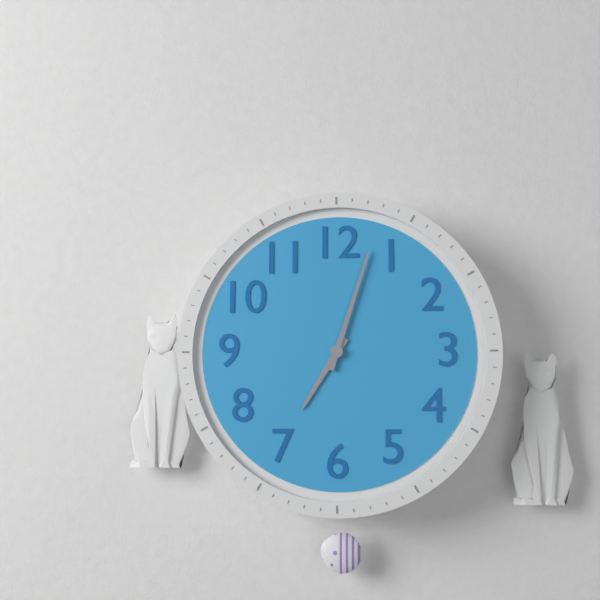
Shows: 7h03
